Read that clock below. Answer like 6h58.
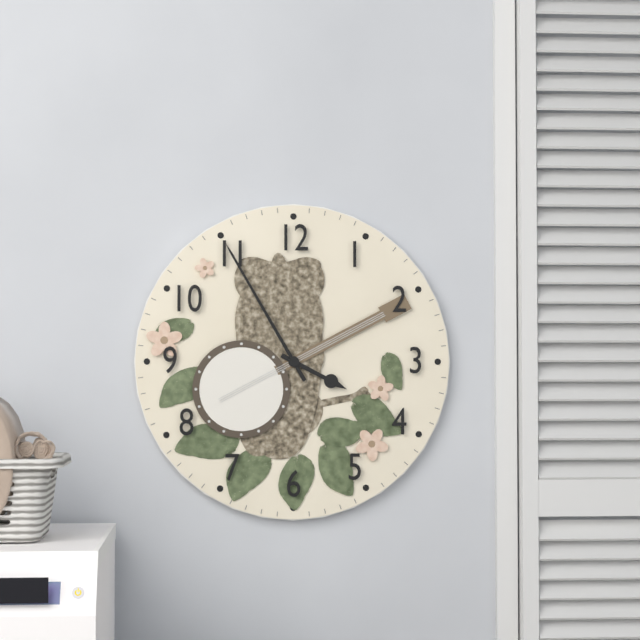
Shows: 3h55
